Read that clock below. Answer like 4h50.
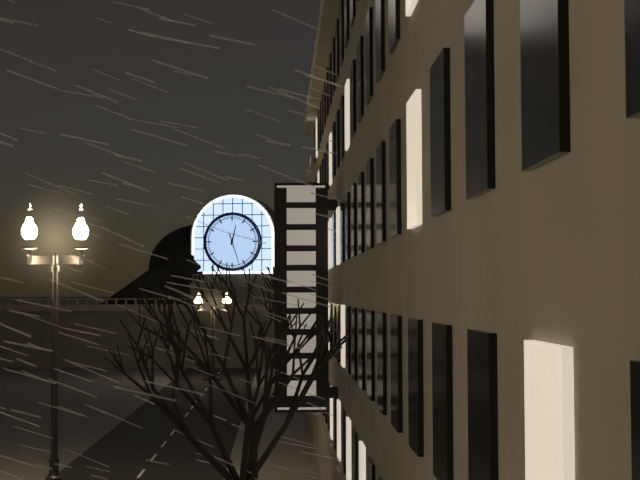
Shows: 12h27
